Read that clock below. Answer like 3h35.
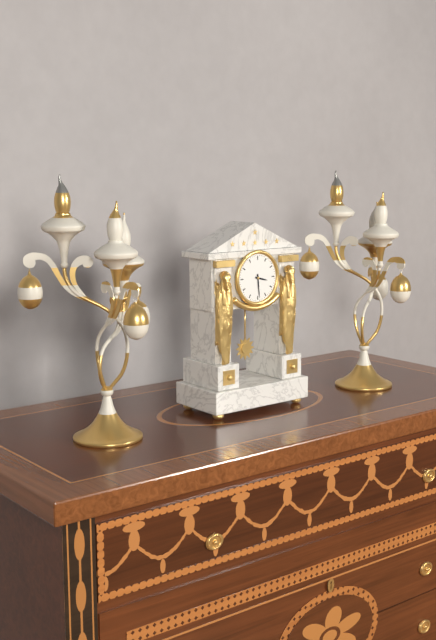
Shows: 3h29
